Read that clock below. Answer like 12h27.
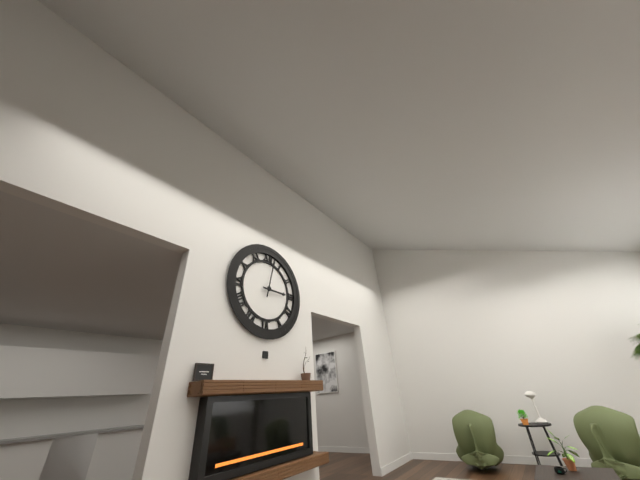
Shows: 3h02
